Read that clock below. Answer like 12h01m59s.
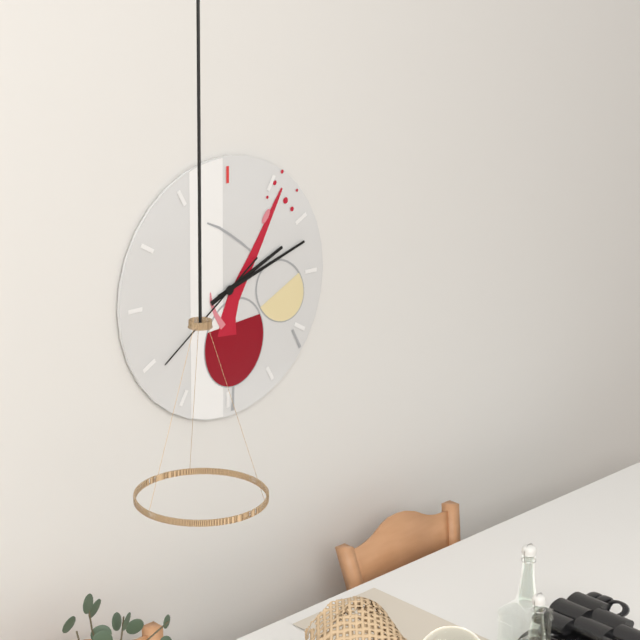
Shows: 2h12m39s
